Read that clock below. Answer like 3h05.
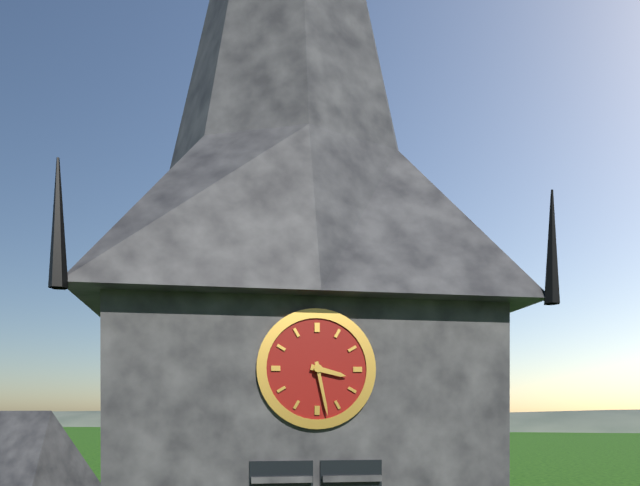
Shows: 3h28
